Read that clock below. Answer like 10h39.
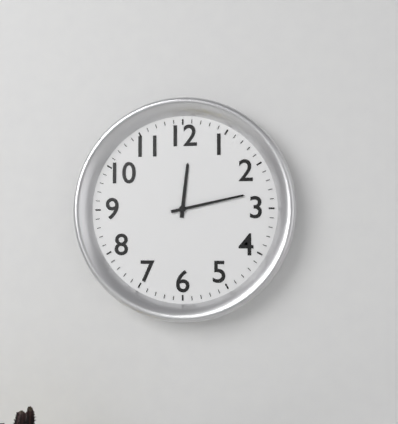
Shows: 12h13
